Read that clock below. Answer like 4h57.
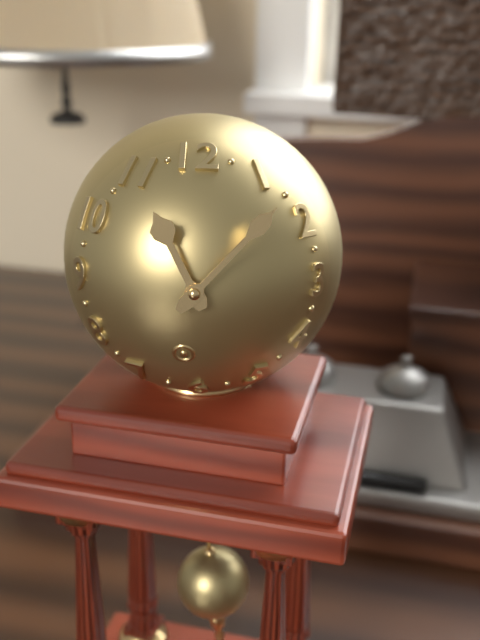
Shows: 11h07
